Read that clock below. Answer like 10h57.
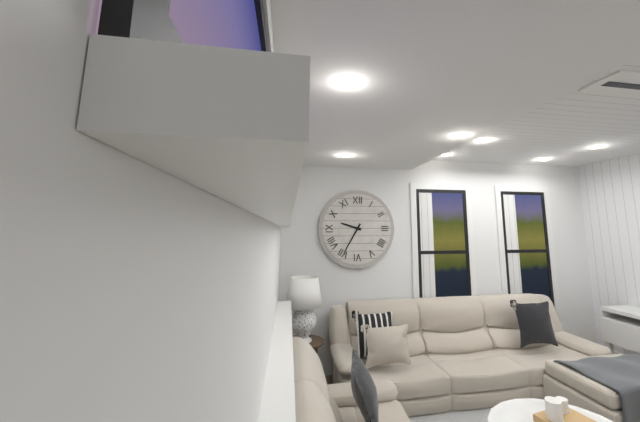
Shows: 9h35
